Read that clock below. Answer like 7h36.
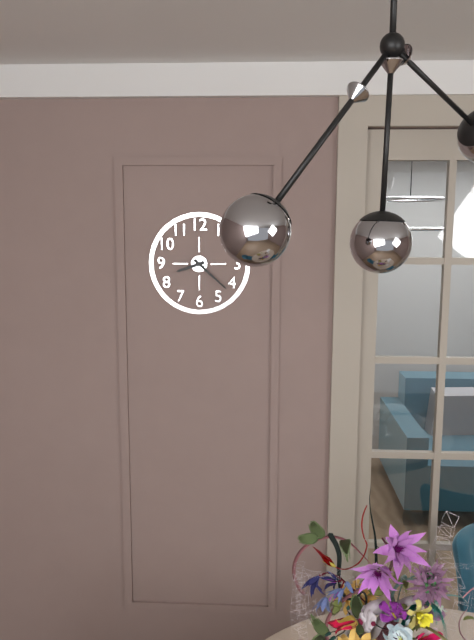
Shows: 8h22
